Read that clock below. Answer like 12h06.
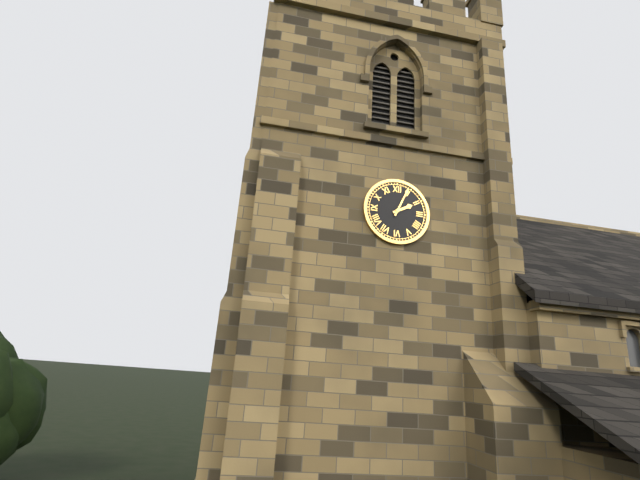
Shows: 2h04
